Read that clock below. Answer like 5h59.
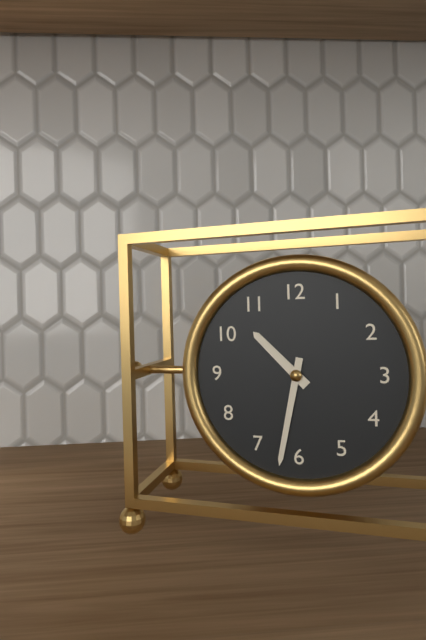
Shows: 10h32
